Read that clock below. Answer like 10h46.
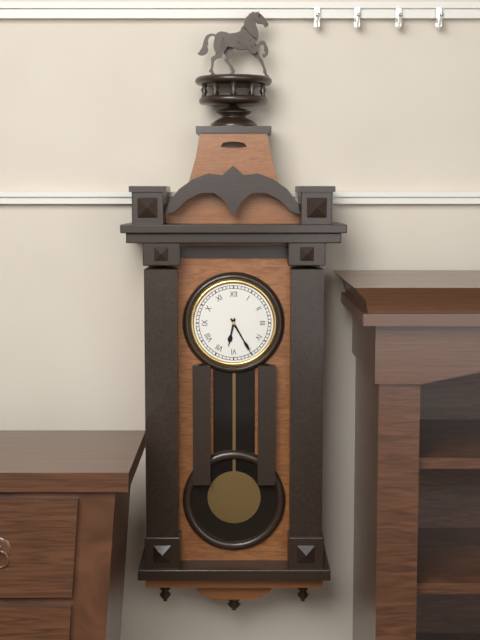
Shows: 6h25
